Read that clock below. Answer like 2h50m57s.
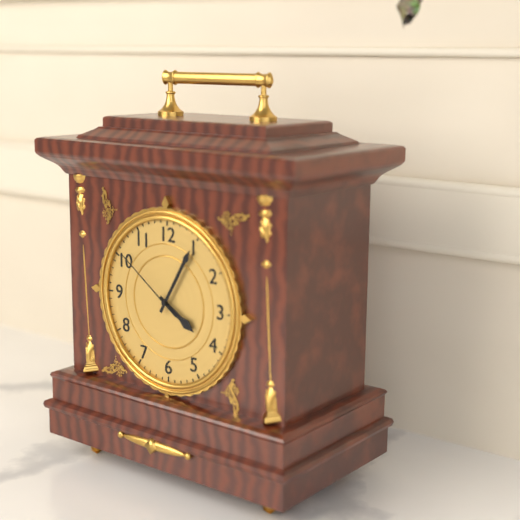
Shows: 4h05m51s
